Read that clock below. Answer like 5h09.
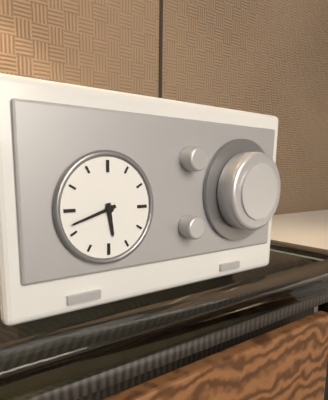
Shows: 5h42
